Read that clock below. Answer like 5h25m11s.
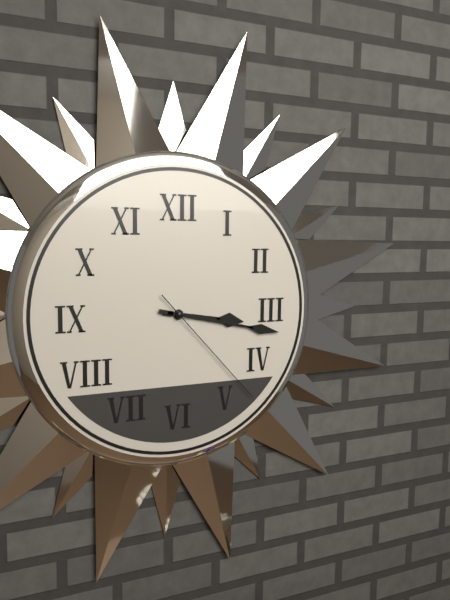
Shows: 3h17m23s
